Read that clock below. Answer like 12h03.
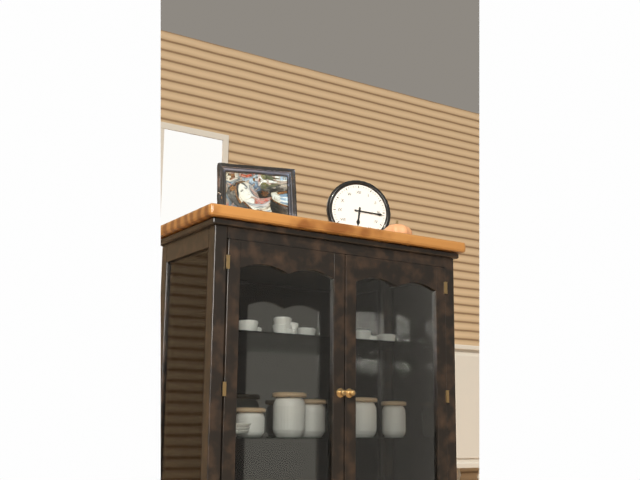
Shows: 6h16
